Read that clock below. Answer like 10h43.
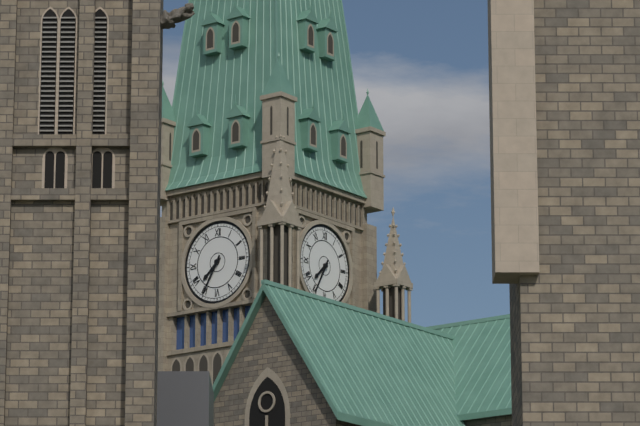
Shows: 7h35
